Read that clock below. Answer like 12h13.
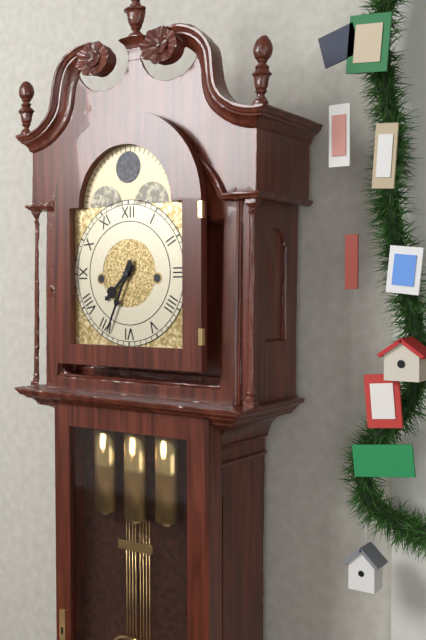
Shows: 7h34
